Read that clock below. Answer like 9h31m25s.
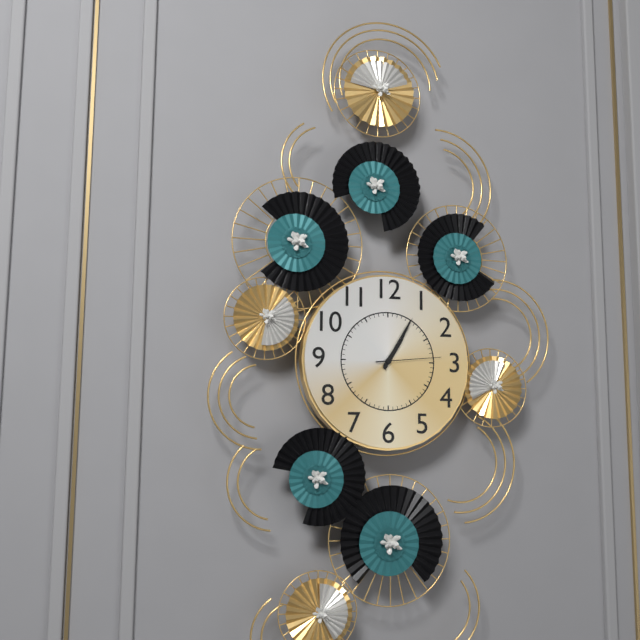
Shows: 1h05m14s
